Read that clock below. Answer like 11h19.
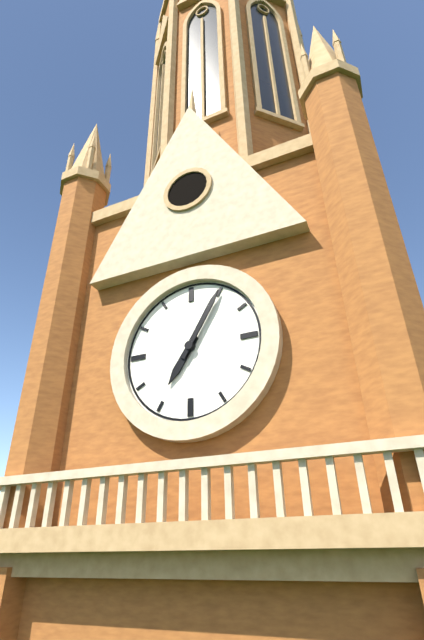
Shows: 7h05
